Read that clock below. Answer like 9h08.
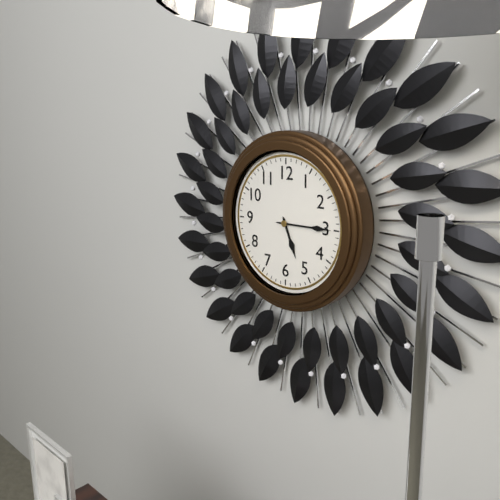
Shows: 5h15
